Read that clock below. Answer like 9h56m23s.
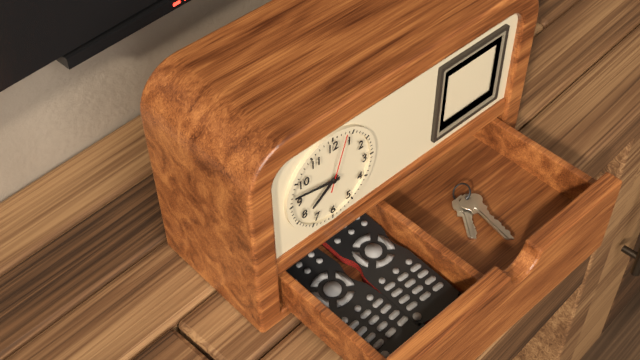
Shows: 7h47m03s
